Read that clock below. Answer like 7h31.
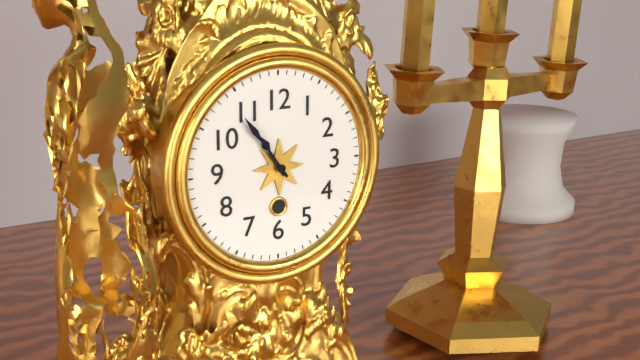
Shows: 10h54
